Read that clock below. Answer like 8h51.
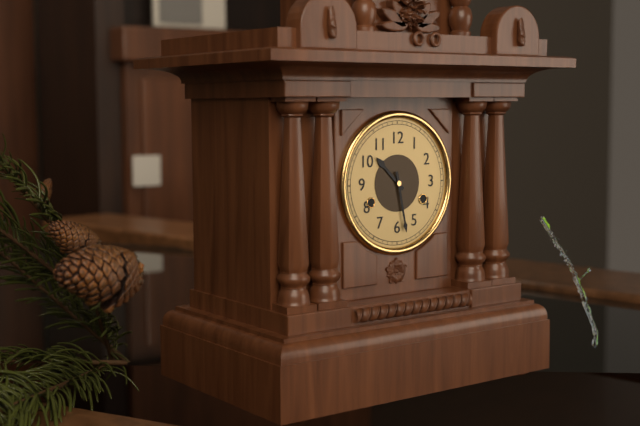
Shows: 10h28
